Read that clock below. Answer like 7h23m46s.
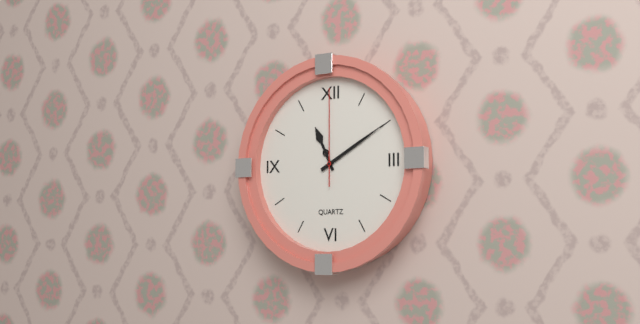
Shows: 11h10m00s
